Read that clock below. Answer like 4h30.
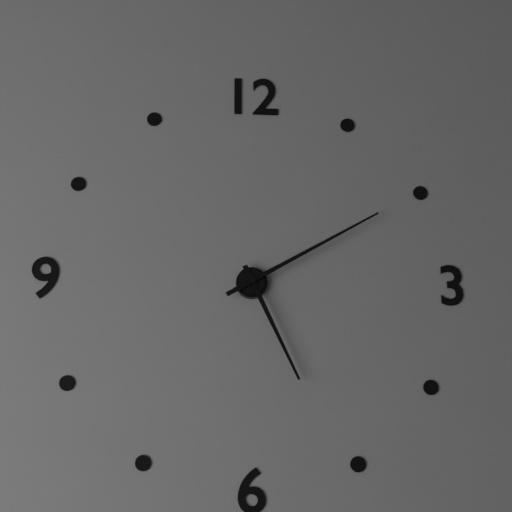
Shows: 5h10
